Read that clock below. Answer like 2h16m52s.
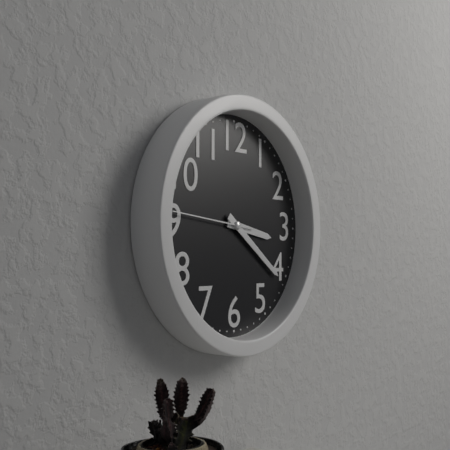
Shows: 3h21m46s
